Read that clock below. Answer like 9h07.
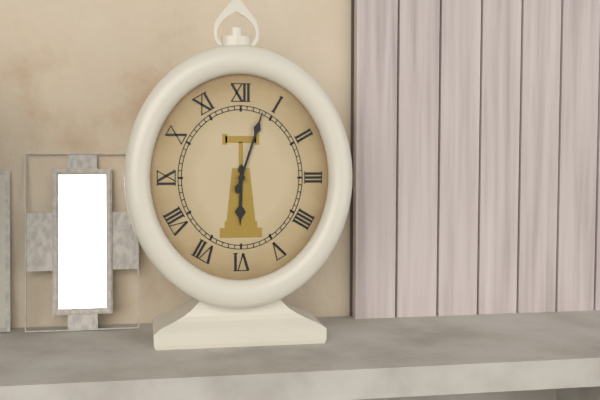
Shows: 6h03
